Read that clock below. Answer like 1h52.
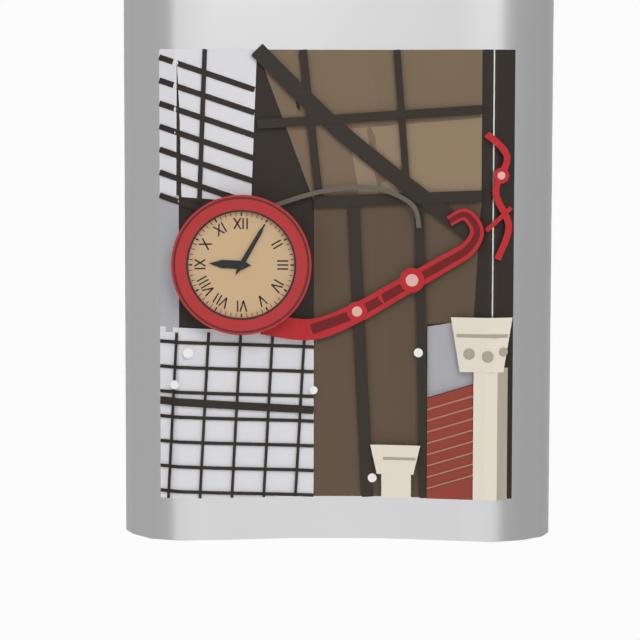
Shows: 9h05
